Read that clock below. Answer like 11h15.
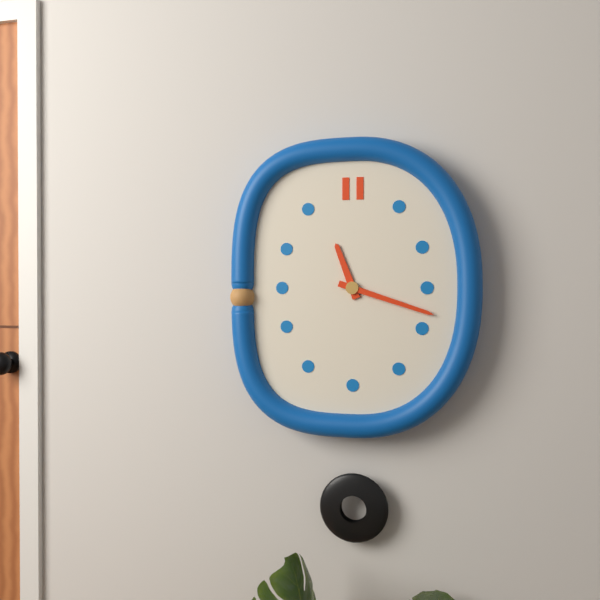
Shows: 11h18
